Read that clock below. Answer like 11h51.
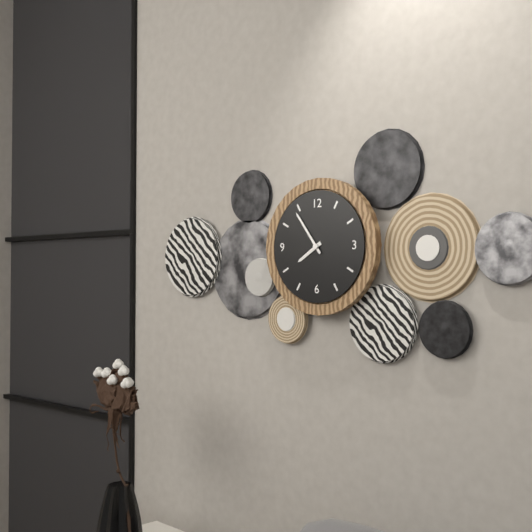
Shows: 7h54
